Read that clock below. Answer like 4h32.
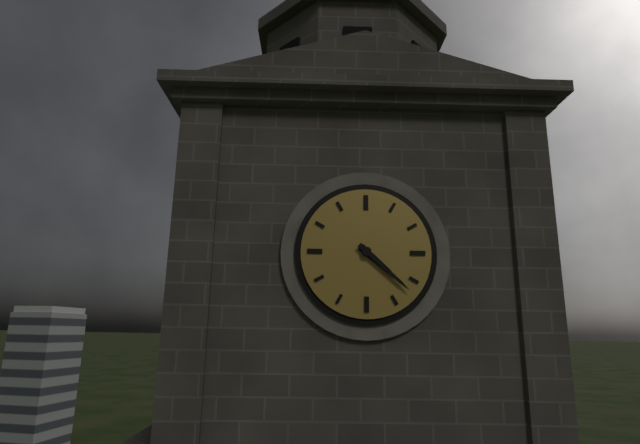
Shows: 4h22
